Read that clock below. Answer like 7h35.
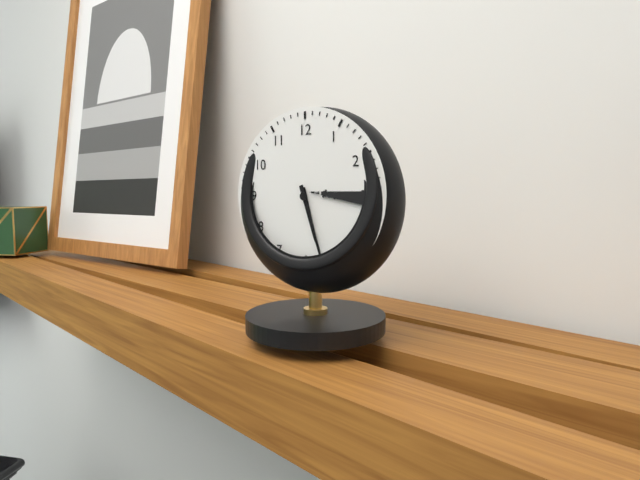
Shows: 5h27
